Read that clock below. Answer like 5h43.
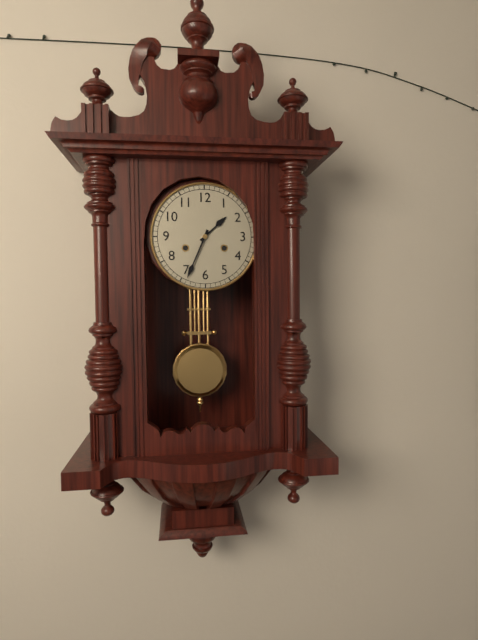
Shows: 1h34
